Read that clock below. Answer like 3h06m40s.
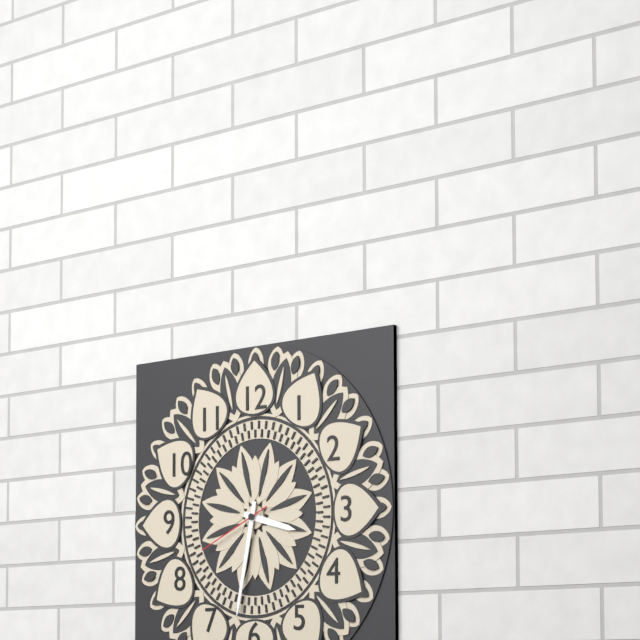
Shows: 3h32m41s
